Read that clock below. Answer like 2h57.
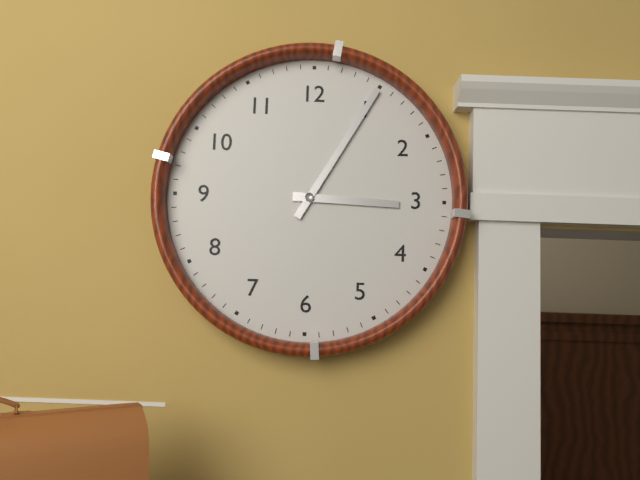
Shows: 3h05
